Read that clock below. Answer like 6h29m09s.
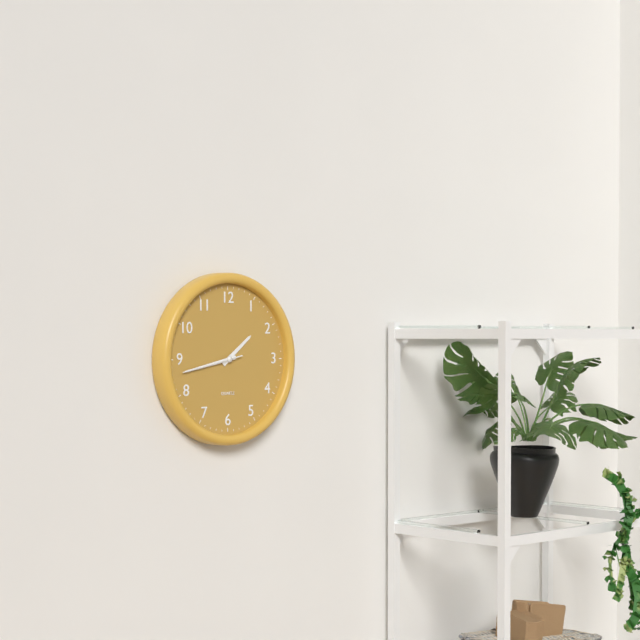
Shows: 1h43m43s
